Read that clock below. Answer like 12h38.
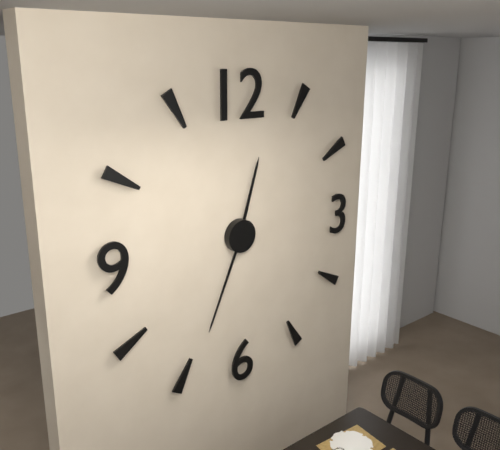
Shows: 12h34
